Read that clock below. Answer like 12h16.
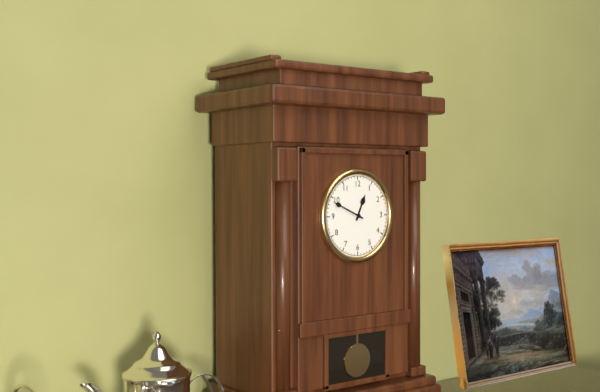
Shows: 12h49
